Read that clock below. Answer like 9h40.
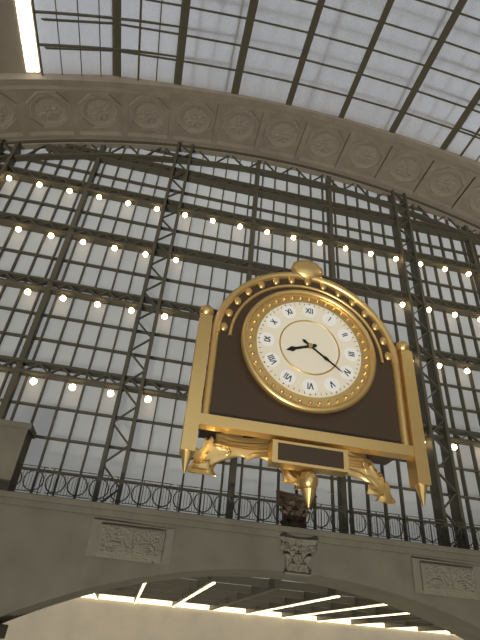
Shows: 8h21
